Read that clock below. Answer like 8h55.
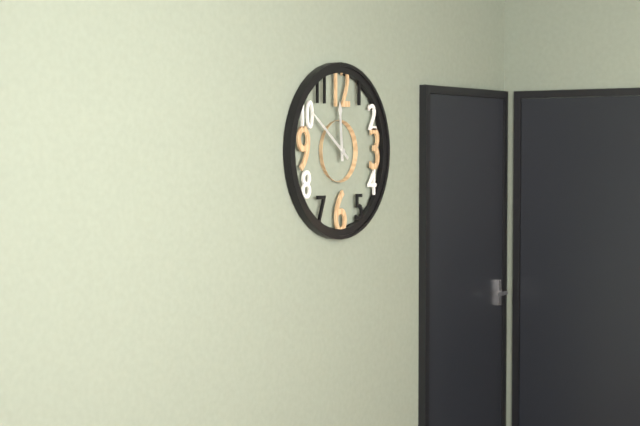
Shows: 11h51
